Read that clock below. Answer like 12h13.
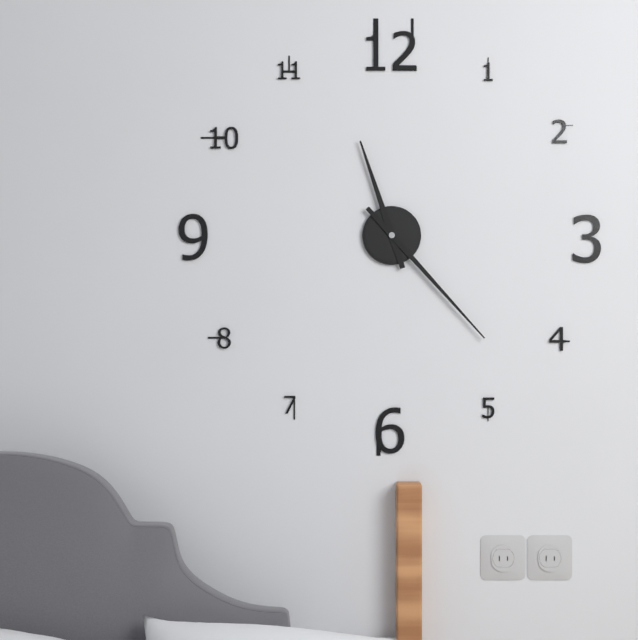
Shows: 11h23
